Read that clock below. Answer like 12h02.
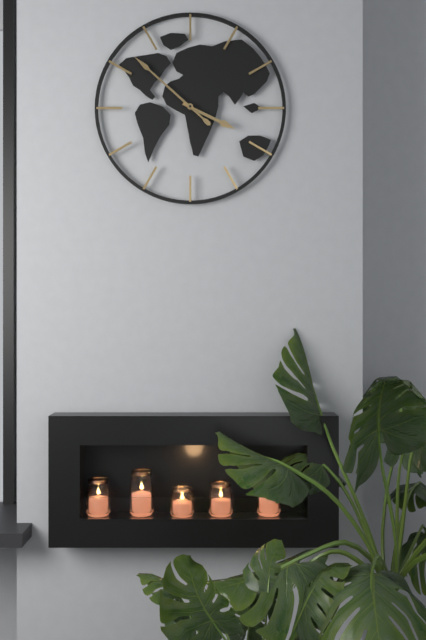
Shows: 3h52
